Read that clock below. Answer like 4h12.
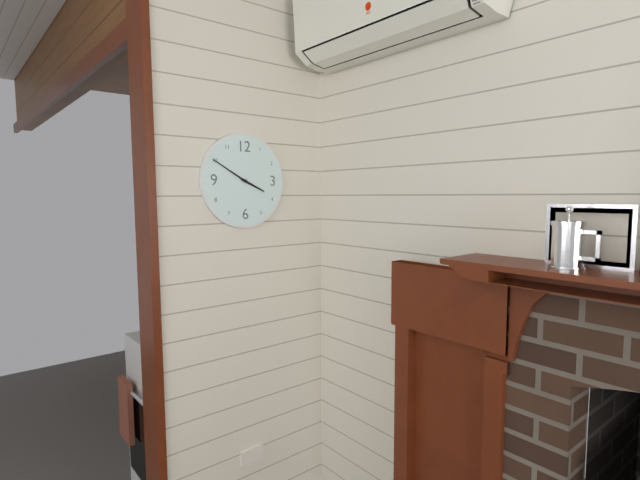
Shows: 3h50
